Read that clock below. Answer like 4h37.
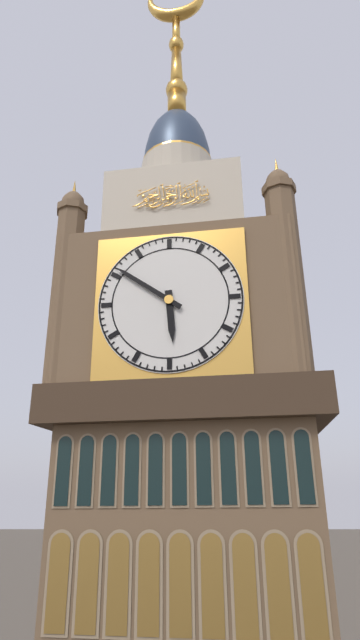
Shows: 5h51
